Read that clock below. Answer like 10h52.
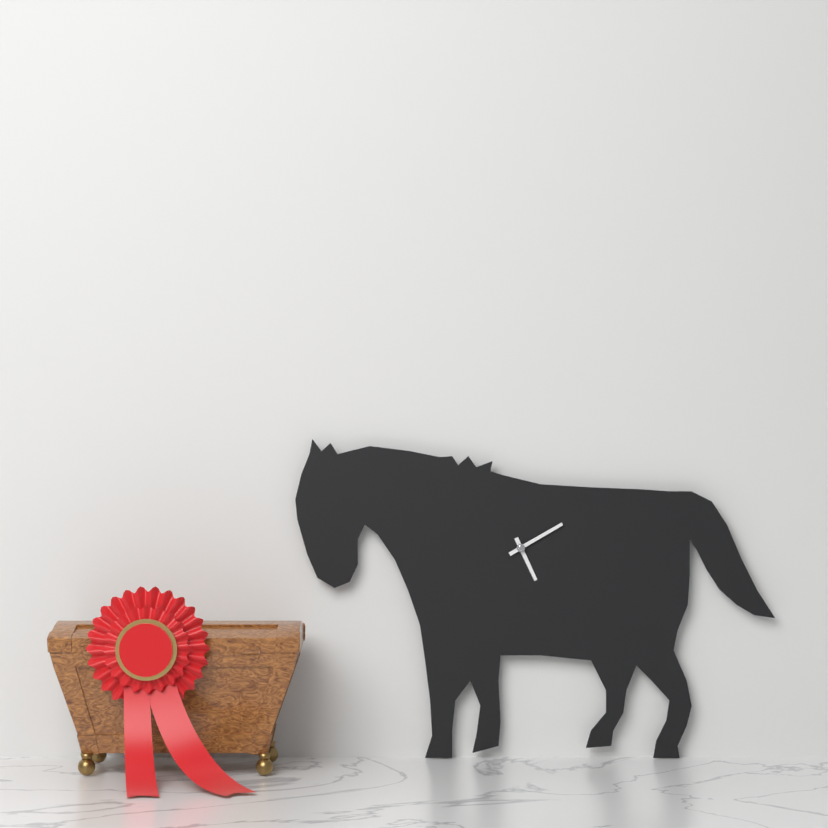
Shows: 5h10
